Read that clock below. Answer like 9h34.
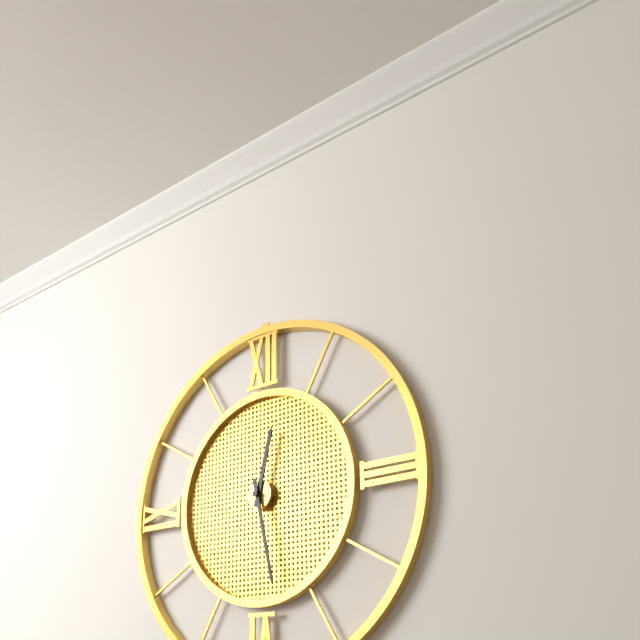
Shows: 12h28
